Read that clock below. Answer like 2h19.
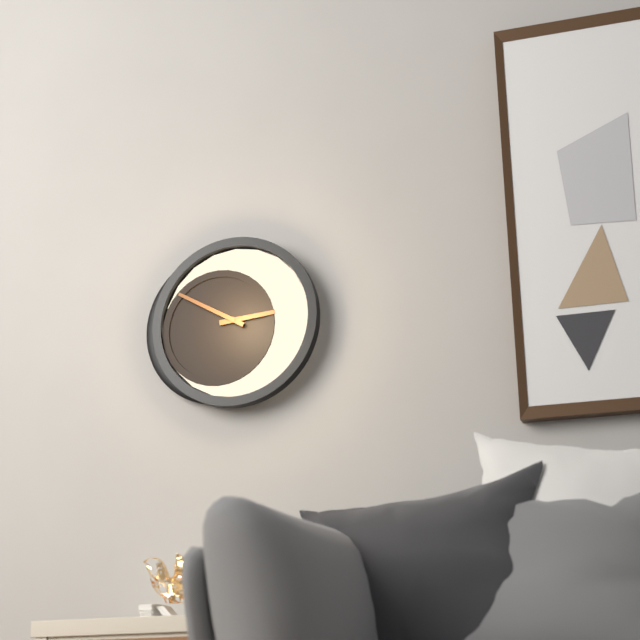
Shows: 2h50
